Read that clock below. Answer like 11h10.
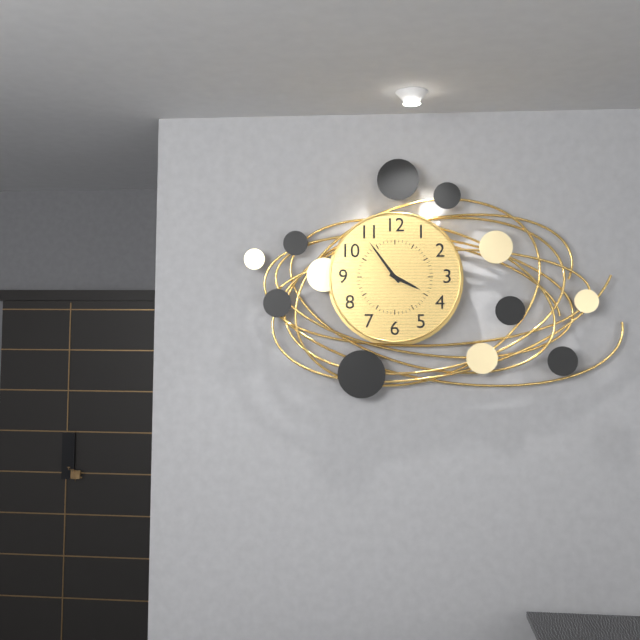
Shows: 3h54
